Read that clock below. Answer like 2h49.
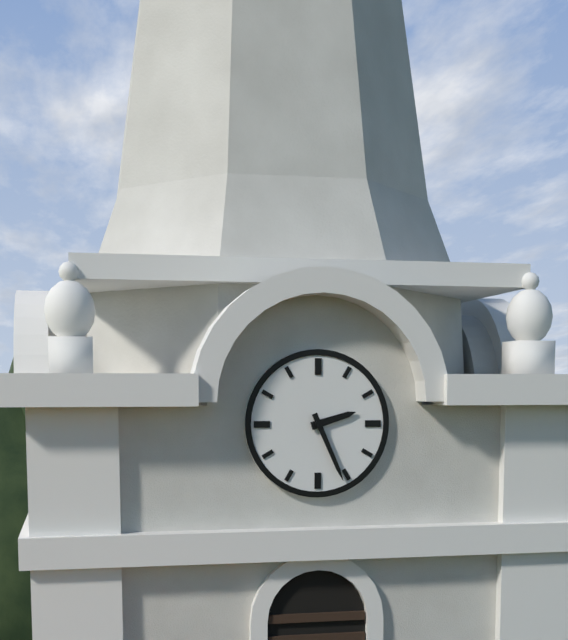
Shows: 2h26
